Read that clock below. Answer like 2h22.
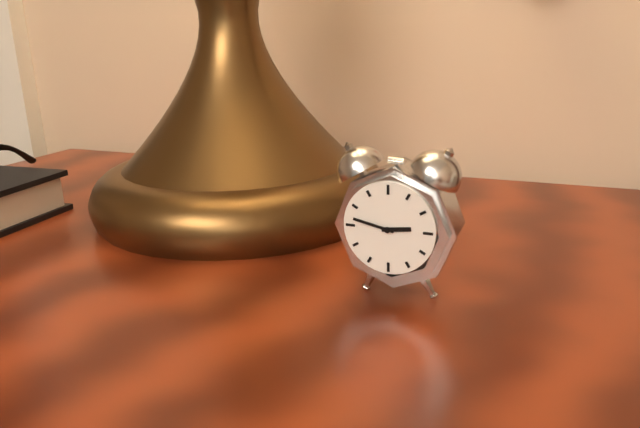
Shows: 2h47
